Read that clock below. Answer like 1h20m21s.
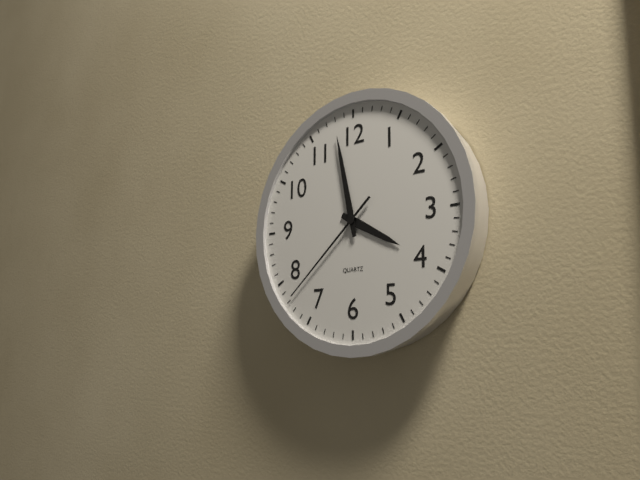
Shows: 3h58m38s
